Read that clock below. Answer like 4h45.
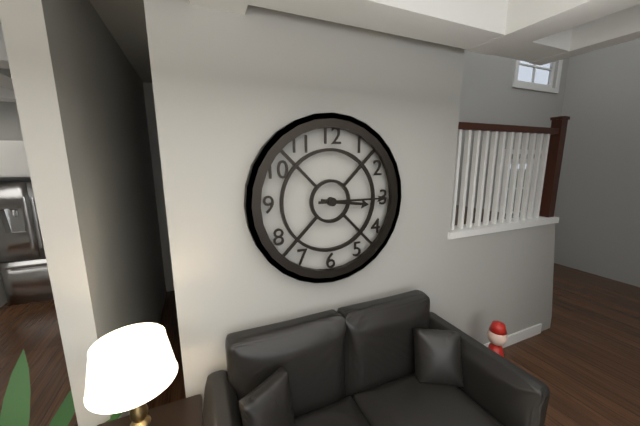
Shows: 3h15
